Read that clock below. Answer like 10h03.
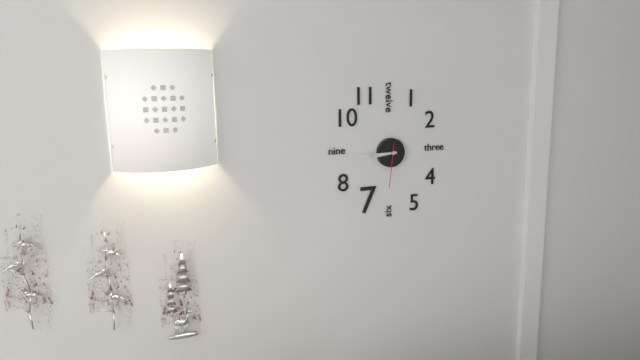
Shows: 8h45
